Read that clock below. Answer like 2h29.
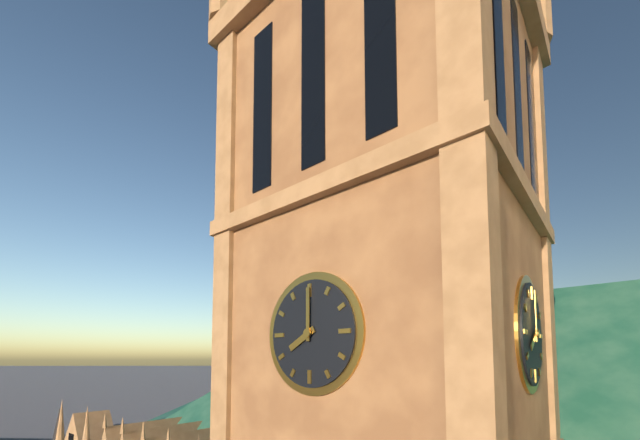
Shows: 8h00
